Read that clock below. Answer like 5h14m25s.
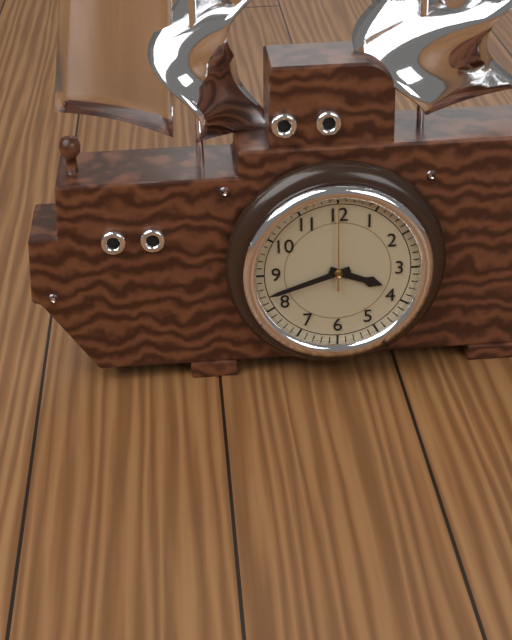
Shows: 3h42m00s
